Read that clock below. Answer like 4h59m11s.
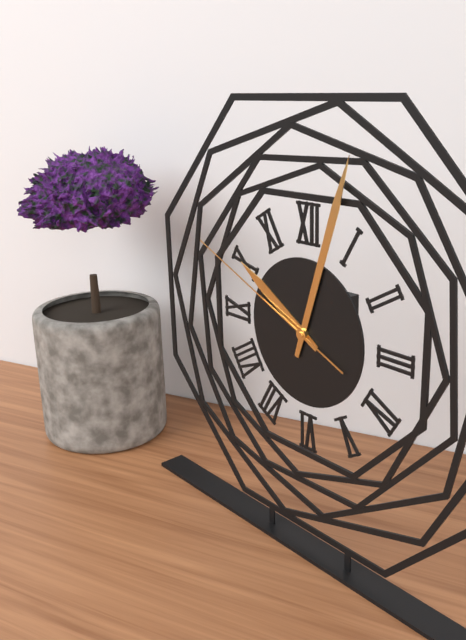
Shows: 10h03m49s
